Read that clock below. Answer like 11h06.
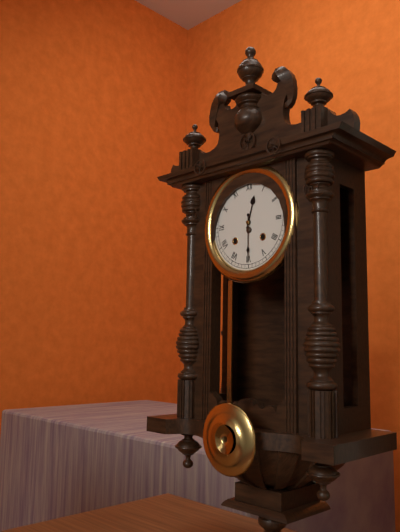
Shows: 12h30
